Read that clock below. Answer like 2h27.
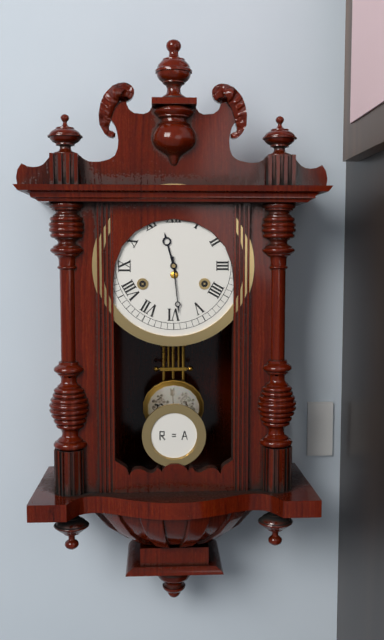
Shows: 11h29
